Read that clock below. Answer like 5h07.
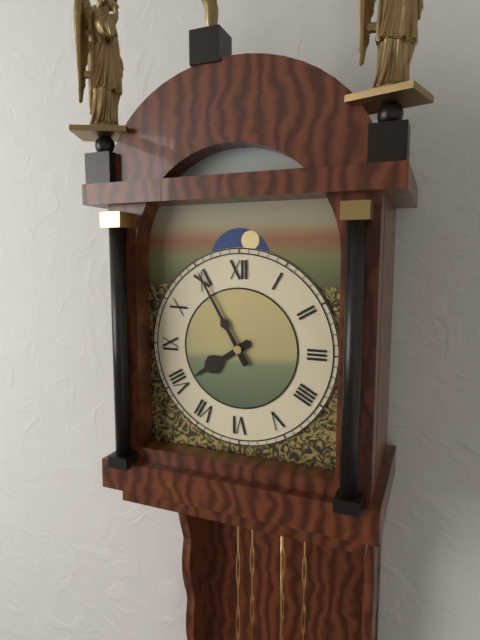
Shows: 7h55
